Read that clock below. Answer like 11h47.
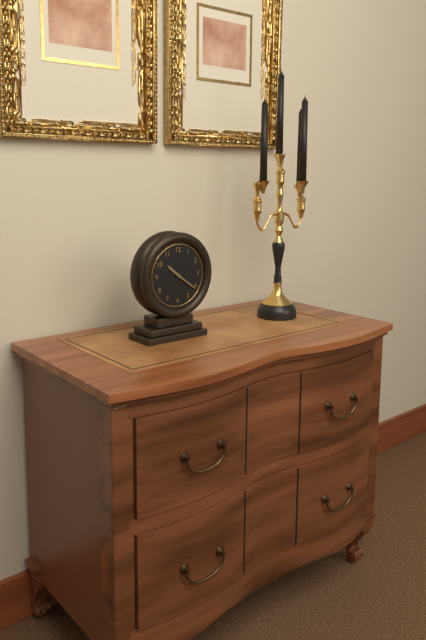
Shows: 10h21
